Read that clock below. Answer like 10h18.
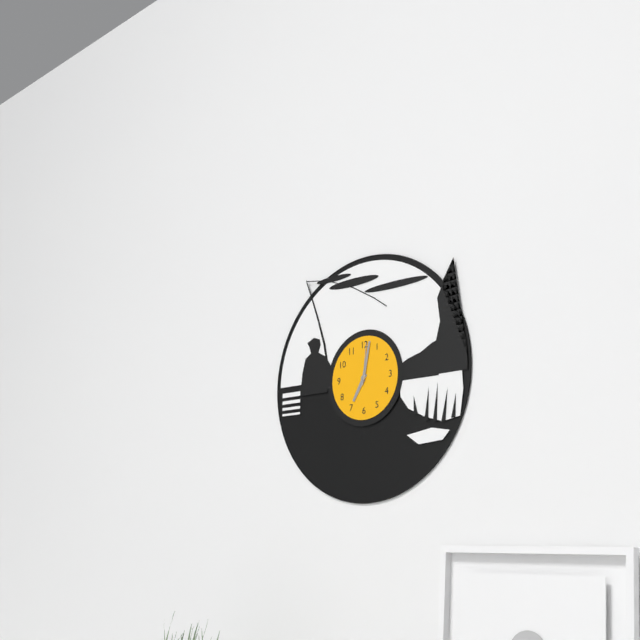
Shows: 7h02
